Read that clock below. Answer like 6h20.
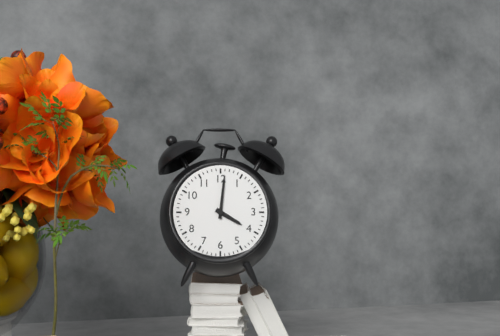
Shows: 4h01
